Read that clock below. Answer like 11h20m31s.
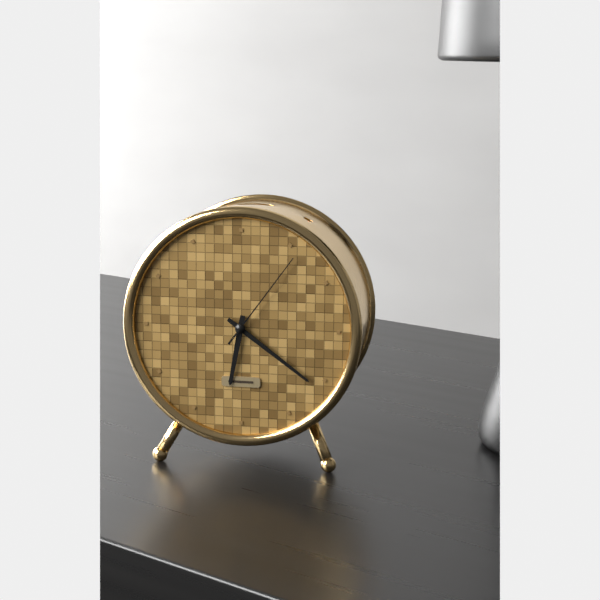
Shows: 6h21m06s
